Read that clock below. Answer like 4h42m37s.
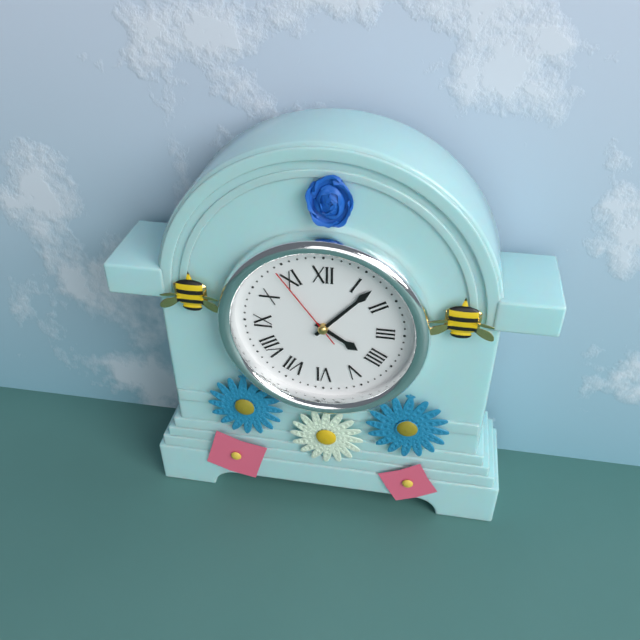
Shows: 4h07m54s
